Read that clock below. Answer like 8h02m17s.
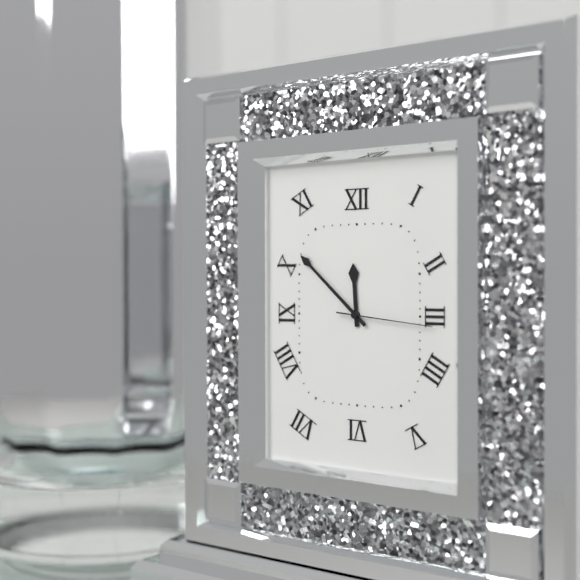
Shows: 11h52m16s
